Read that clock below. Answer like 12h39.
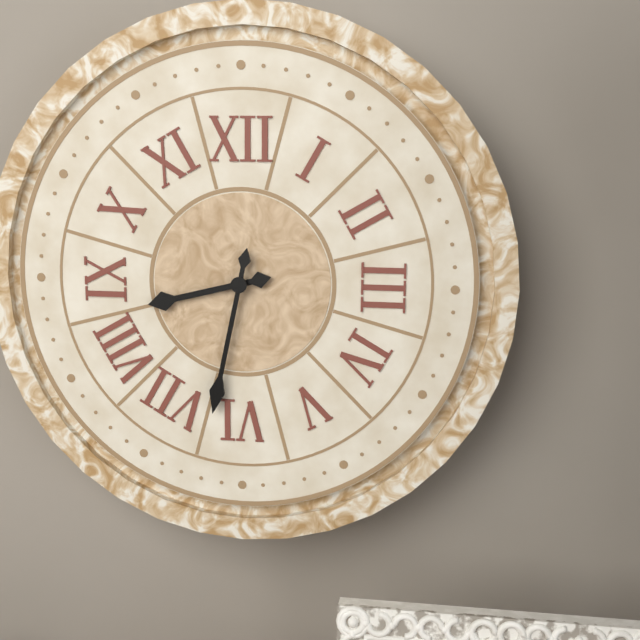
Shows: 8h32
